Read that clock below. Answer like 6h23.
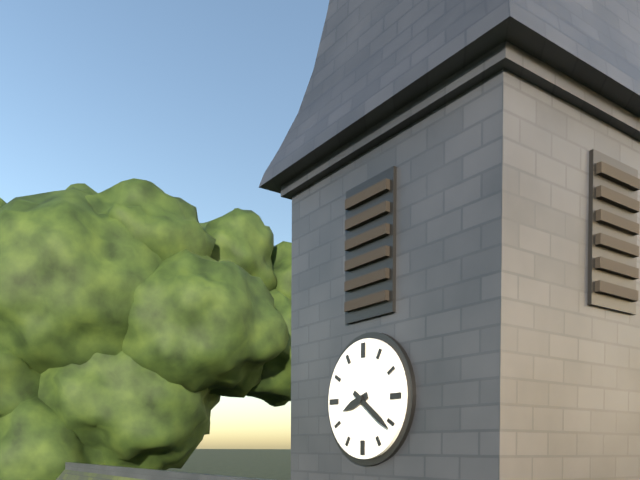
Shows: 8h21
